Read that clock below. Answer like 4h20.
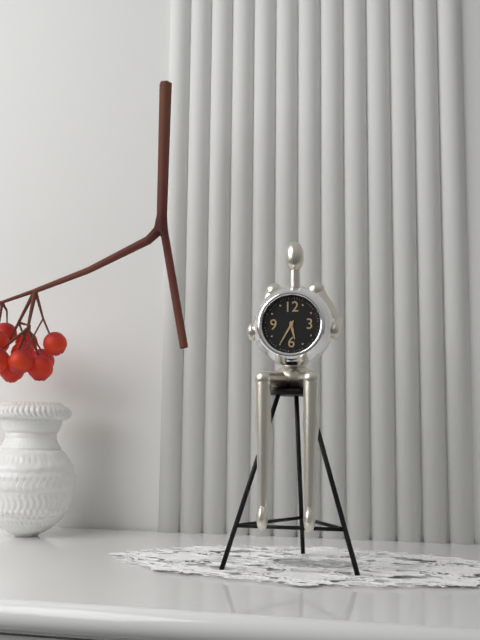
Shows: 5h35
